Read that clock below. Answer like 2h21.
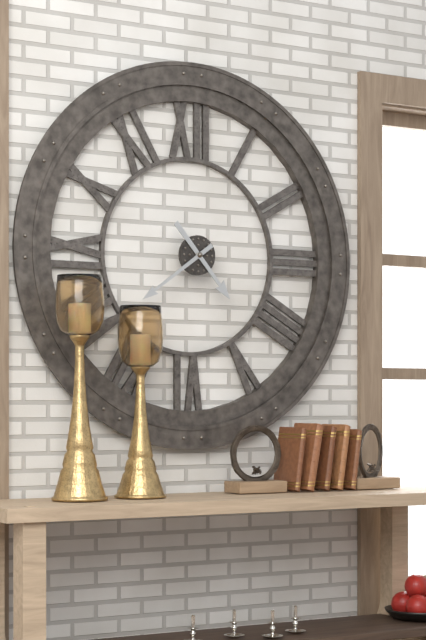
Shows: 4h39
